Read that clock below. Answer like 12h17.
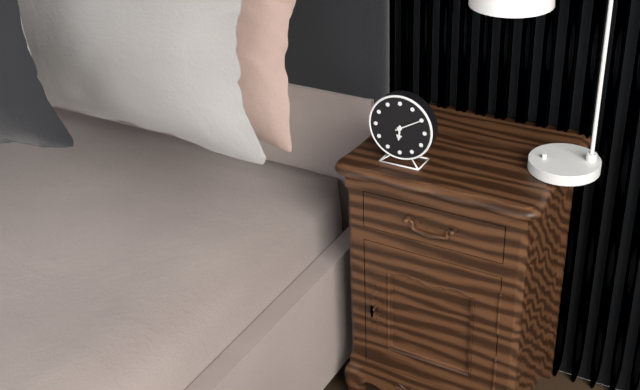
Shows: 6h10
